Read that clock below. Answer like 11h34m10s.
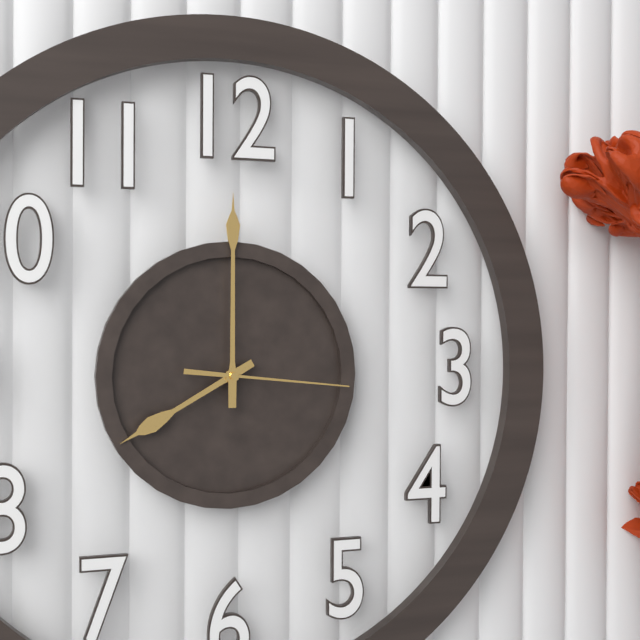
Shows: 8h00m16s
